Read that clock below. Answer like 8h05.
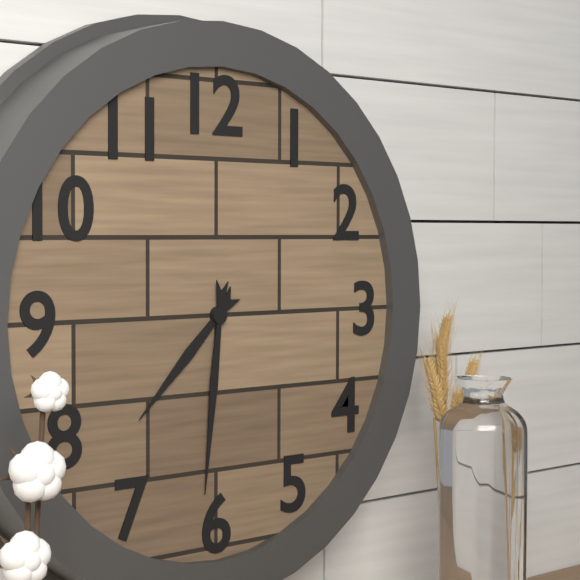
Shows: 7h31
